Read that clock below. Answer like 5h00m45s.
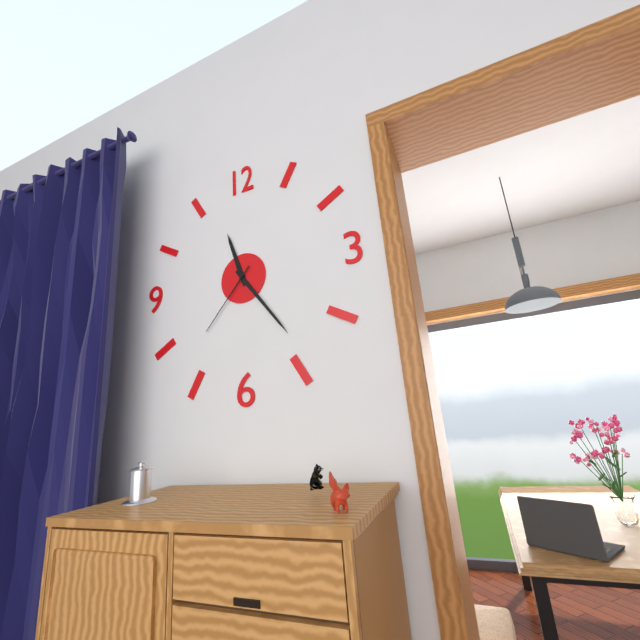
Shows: 11h24m37s
